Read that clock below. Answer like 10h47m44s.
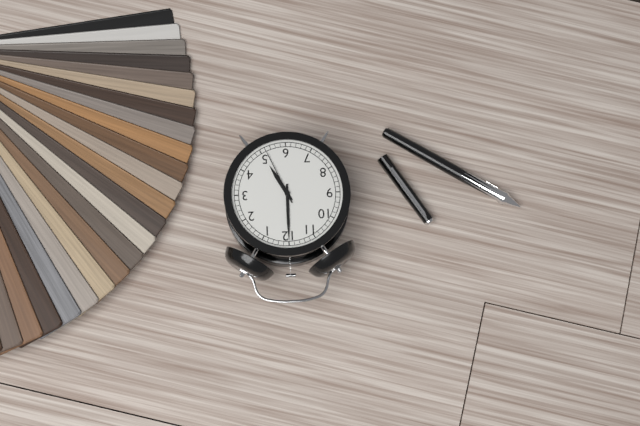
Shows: 5h00m26s
